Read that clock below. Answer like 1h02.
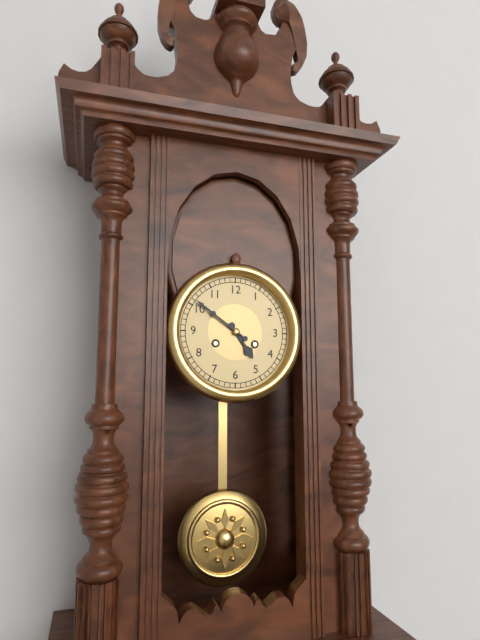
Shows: 4h51
